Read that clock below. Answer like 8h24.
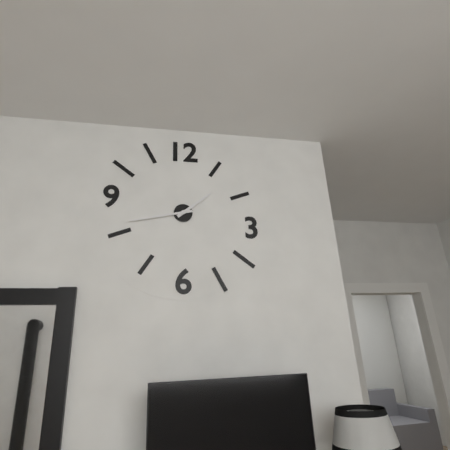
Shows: 1h43
